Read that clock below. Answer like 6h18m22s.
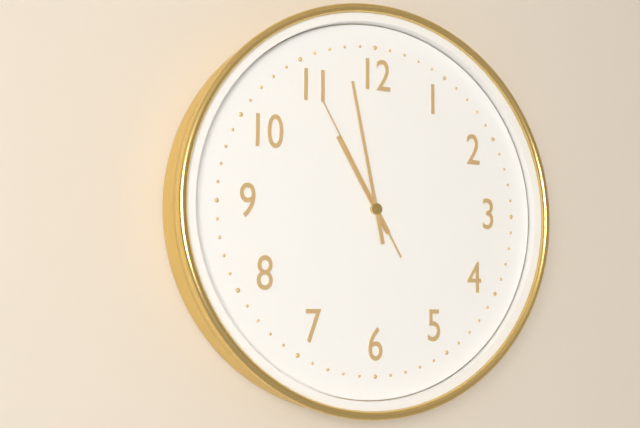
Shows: 10h58m55s
